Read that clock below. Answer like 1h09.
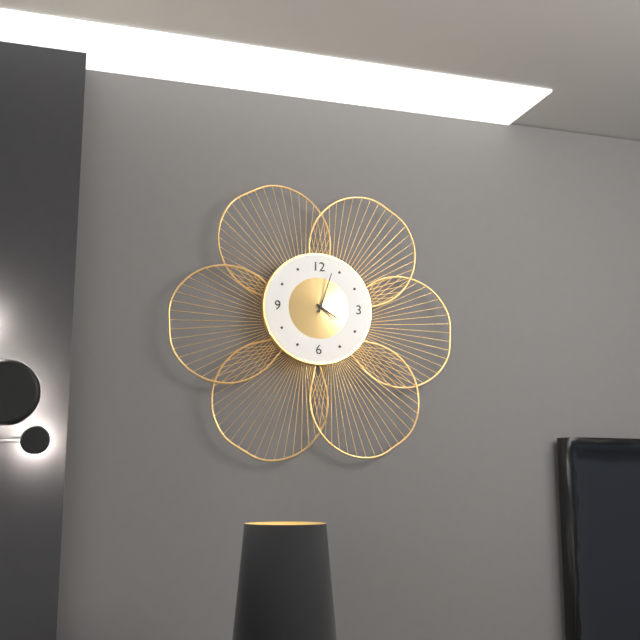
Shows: 4h03
